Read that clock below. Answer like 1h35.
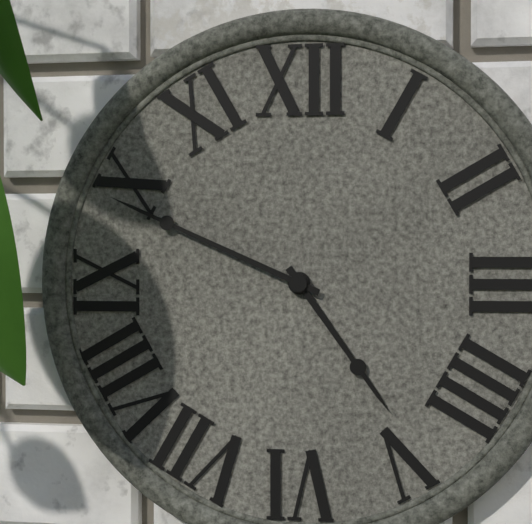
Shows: 4h49
